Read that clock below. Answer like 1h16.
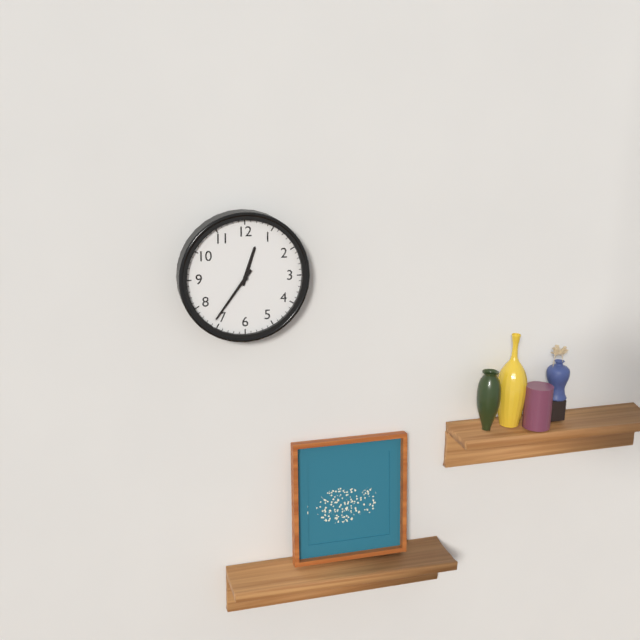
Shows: 12h36
